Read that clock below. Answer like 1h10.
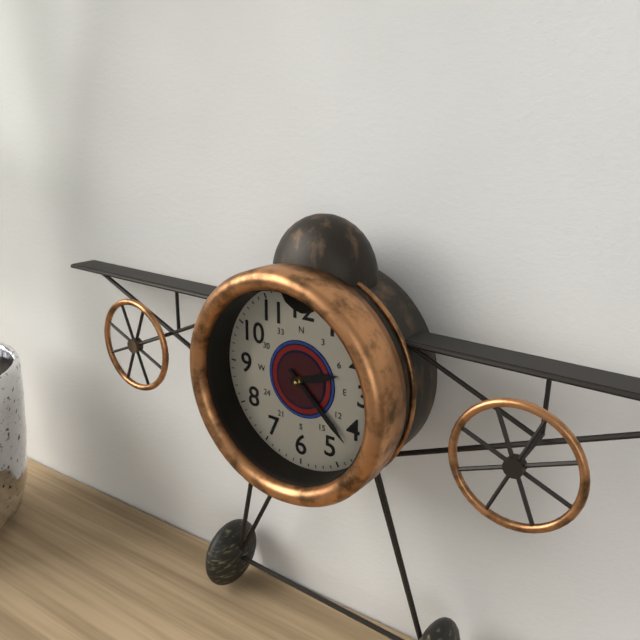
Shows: 2h22
